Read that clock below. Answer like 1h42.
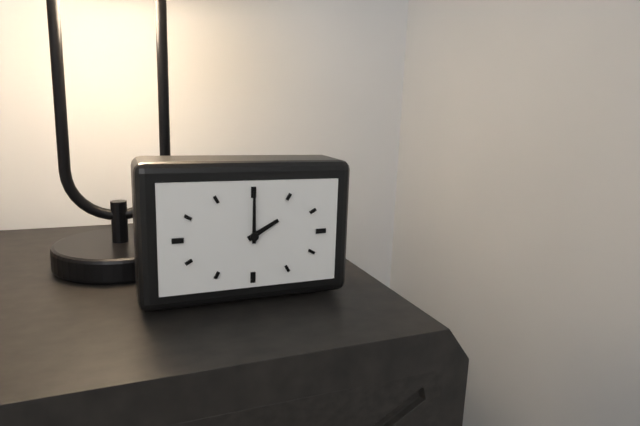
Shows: 2h00
